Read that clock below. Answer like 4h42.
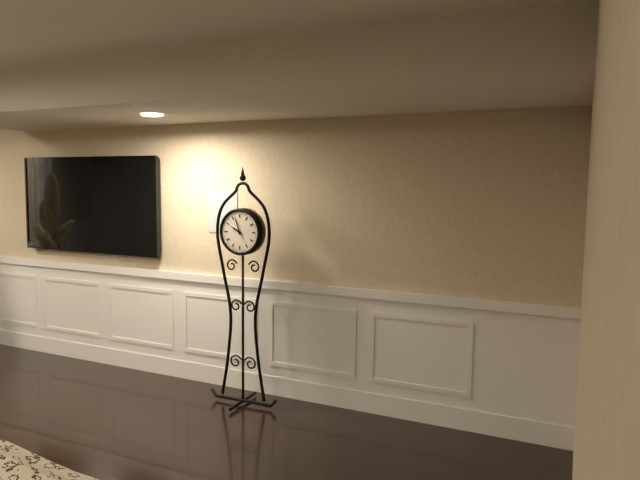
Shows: 9h57
